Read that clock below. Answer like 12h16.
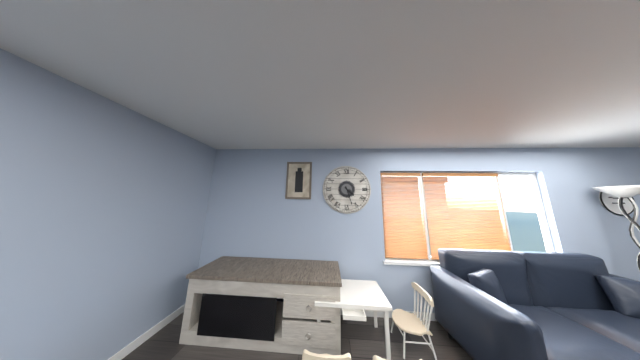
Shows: 4h27
